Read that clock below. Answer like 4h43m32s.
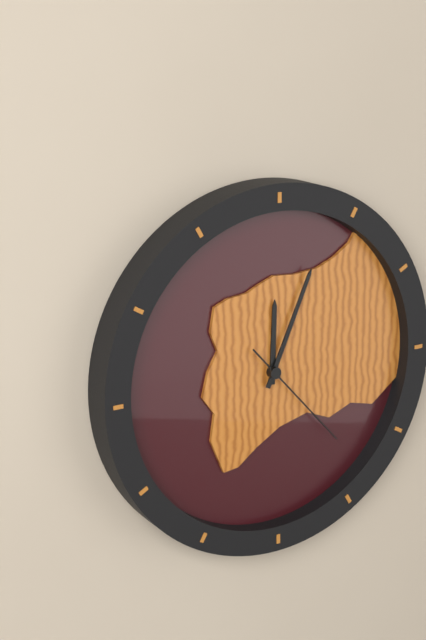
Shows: 12h04m23s
